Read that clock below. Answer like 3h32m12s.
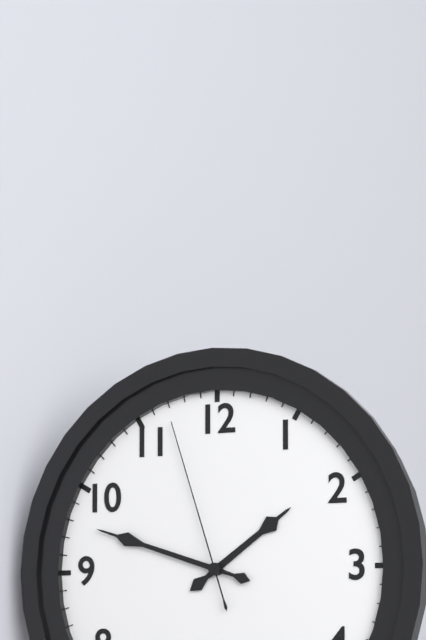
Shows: 1h48m57s
